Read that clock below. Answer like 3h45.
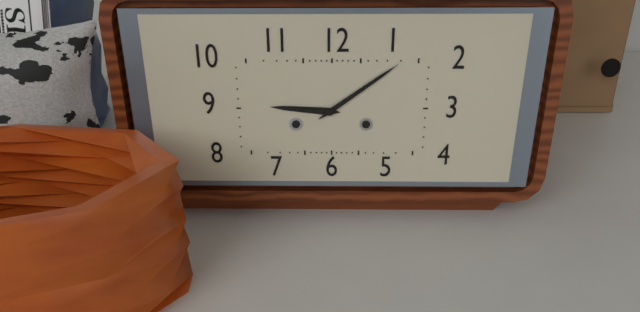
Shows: 9h09
